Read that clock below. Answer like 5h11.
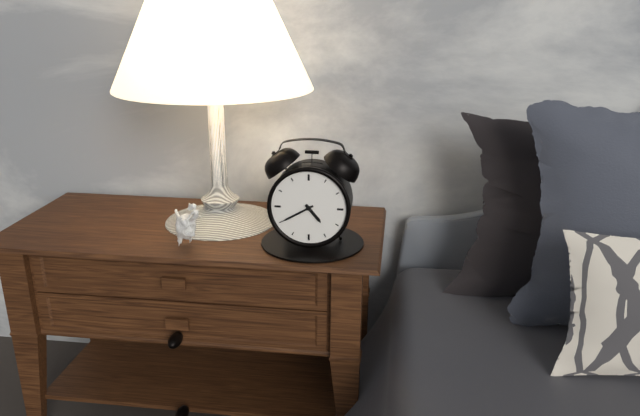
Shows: 4h40
